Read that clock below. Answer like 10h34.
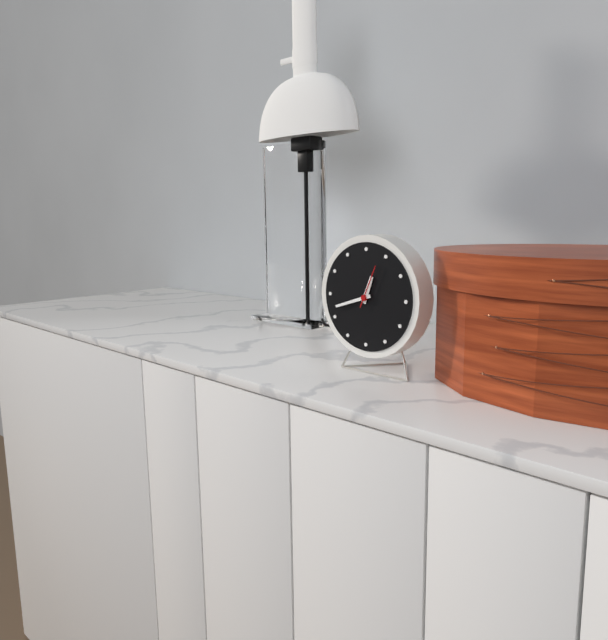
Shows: 12h42
